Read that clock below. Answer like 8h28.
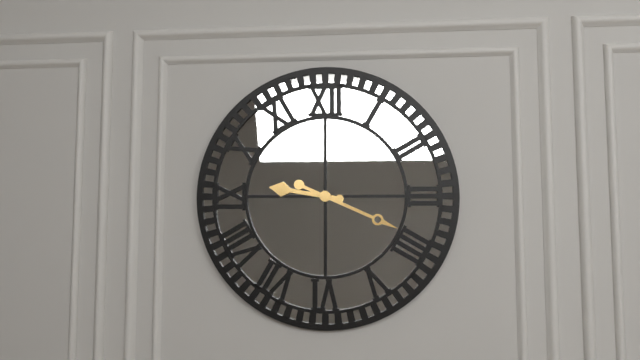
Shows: 9h19
